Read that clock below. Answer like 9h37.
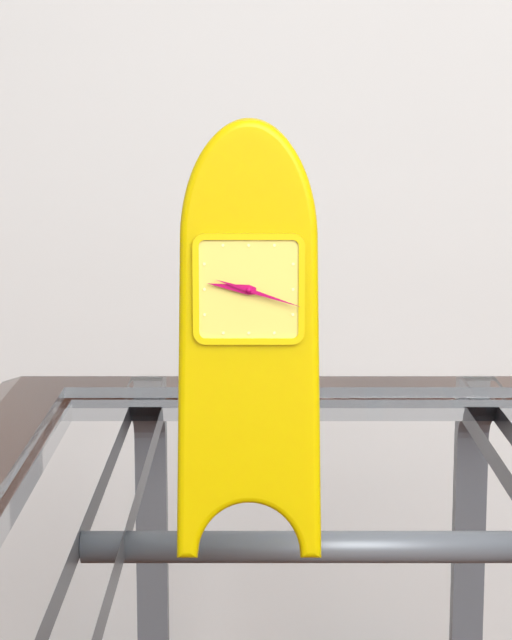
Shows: 9h18
